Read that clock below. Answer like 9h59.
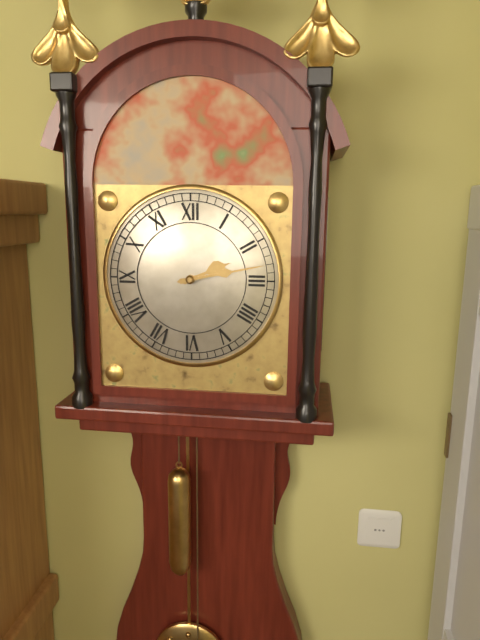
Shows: 2h13
